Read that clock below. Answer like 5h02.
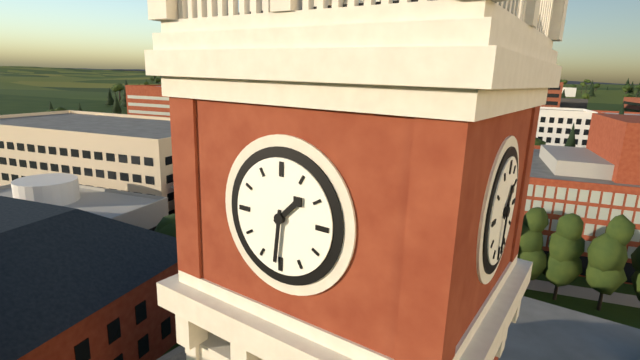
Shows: 1h31
